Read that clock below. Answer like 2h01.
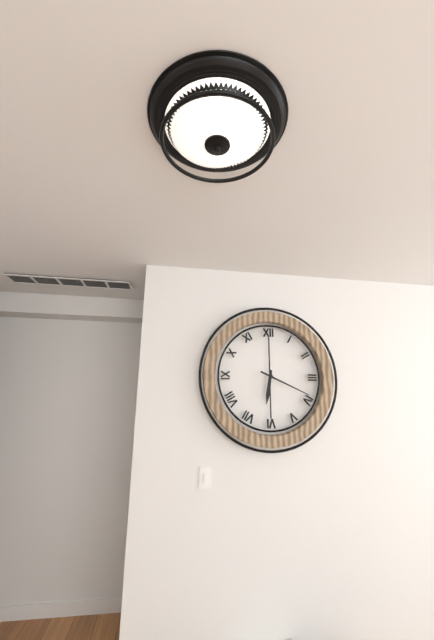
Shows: 6h19
